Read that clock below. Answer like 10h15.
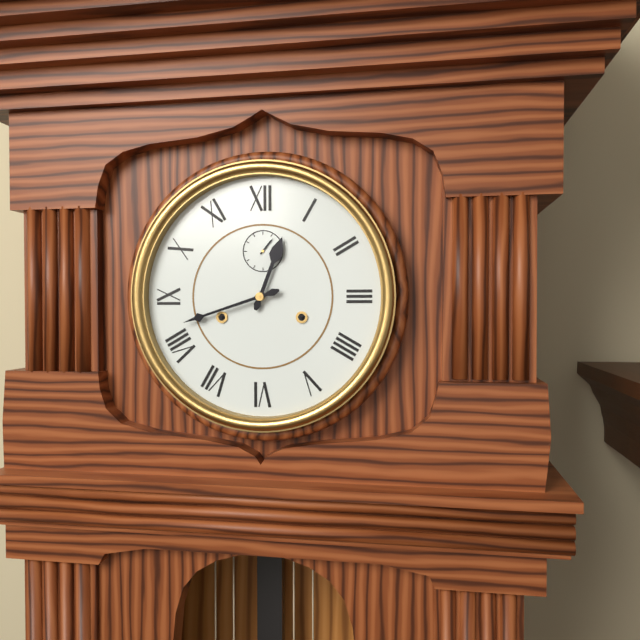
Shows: 12h42
